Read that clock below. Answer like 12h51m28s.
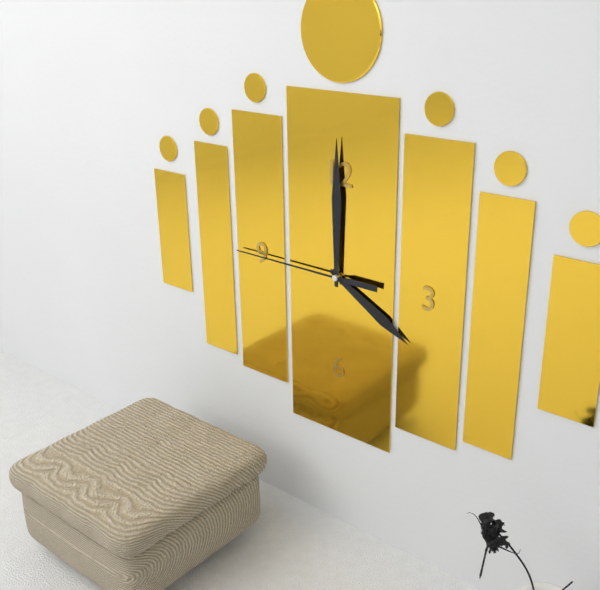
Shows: 4h00m45s
